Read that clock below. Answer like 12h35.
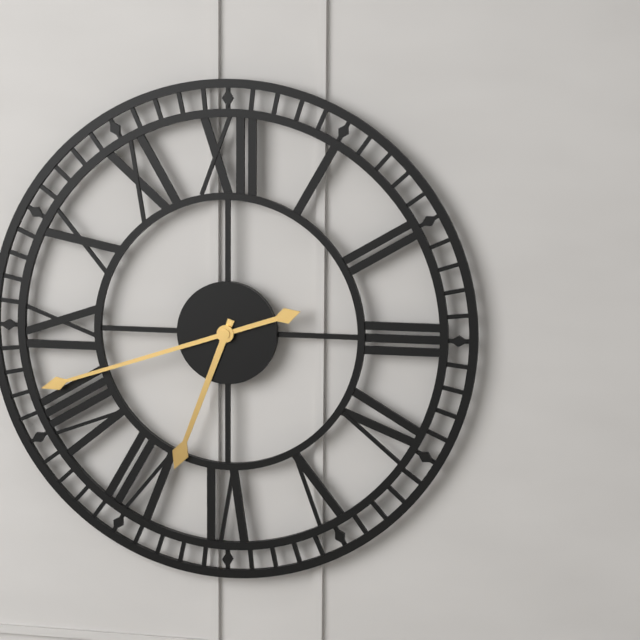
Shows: 6h42
